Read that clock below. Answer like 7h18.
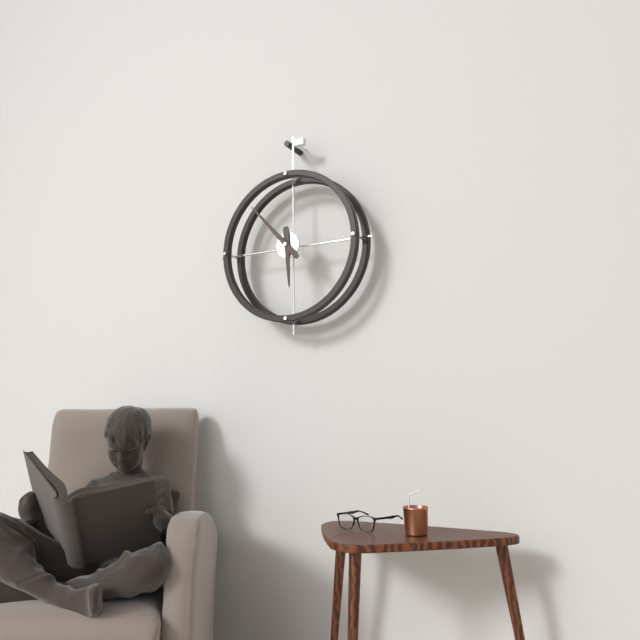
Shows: 5h53
